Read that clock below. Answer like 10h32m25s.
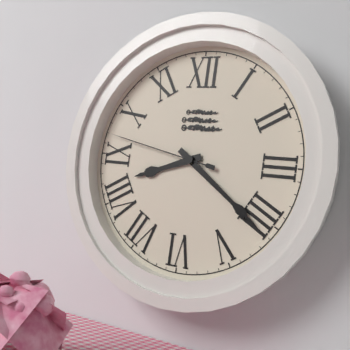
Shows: 8h21m47s
